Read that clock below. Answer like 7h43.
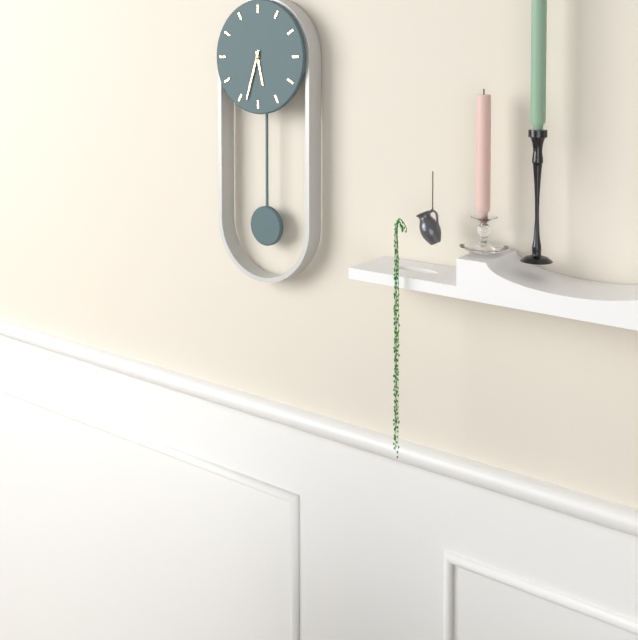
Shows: 5h33
